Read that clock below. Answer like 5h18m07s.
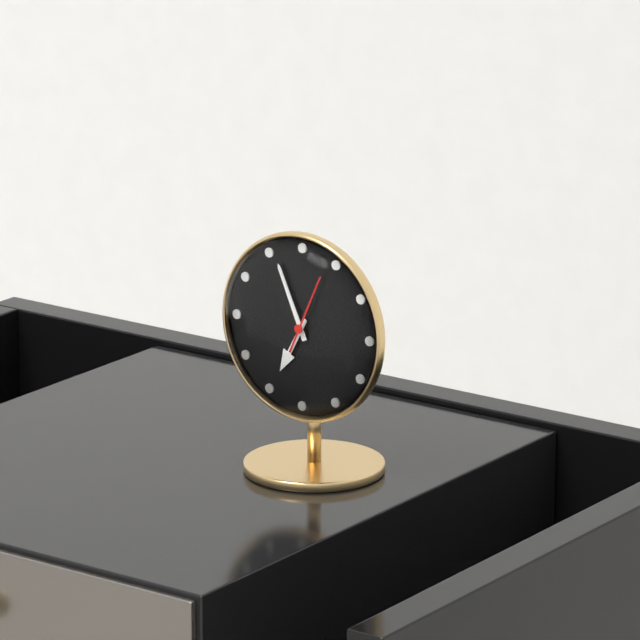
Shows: 6h56m04s
